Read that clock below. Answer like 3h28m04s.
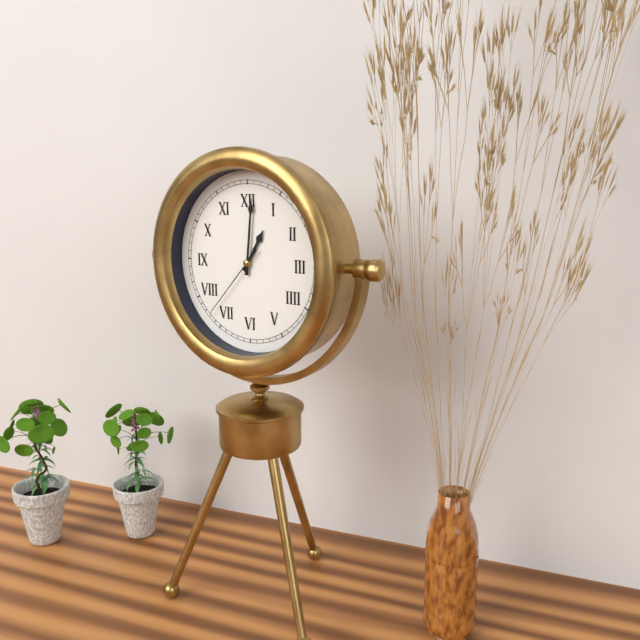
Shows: 1h01m37s
